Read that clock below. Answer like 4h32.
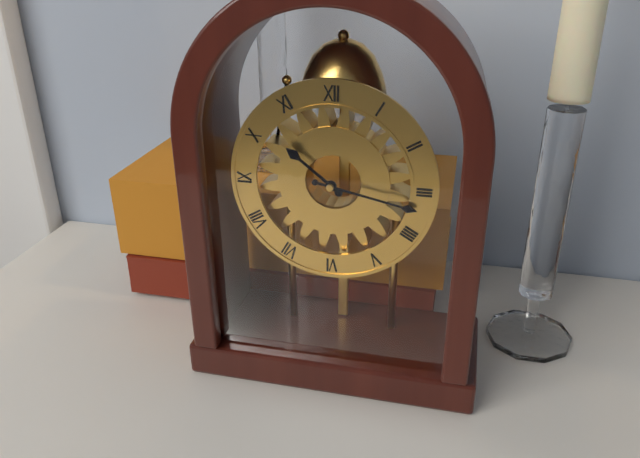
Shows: 10h17
